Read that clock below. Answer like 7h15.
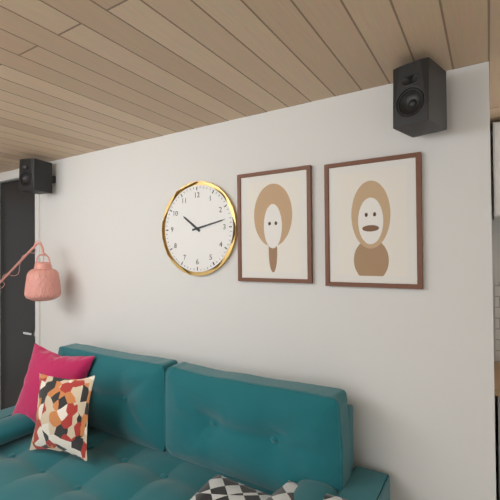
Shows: 10h13
